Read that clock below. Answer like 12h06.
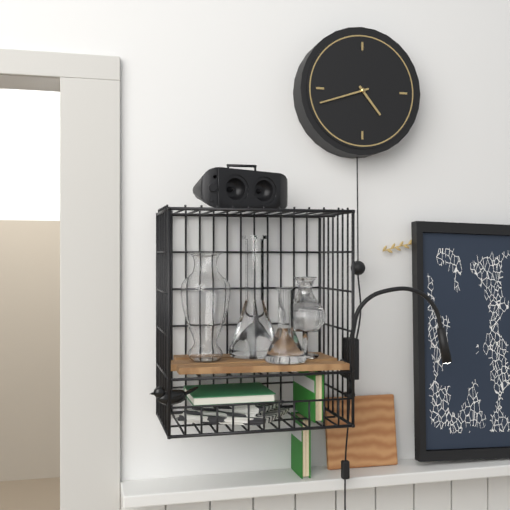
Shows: 4h42
